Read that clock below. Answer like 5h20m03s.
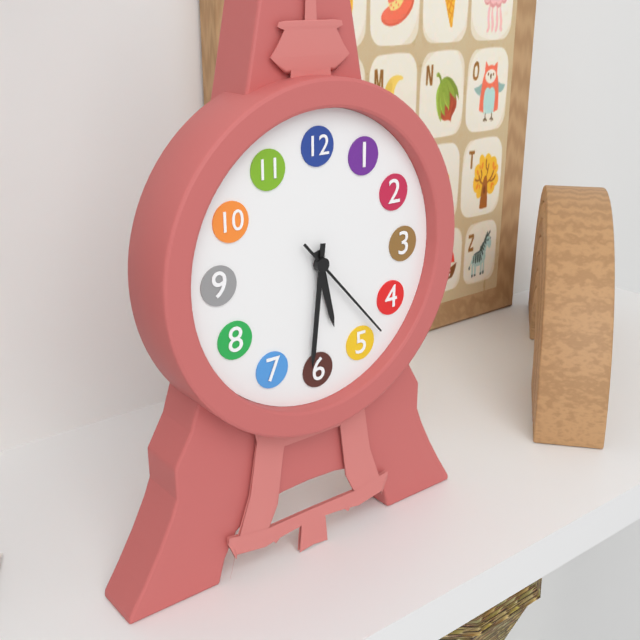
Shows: 5h31m23s
